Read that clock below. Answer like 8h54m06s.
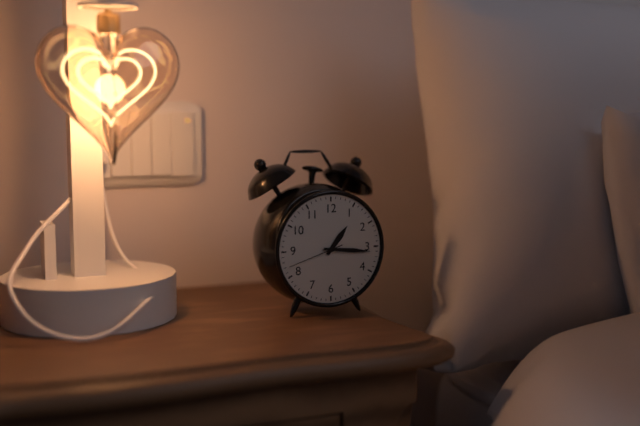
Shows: 1h16m42s
